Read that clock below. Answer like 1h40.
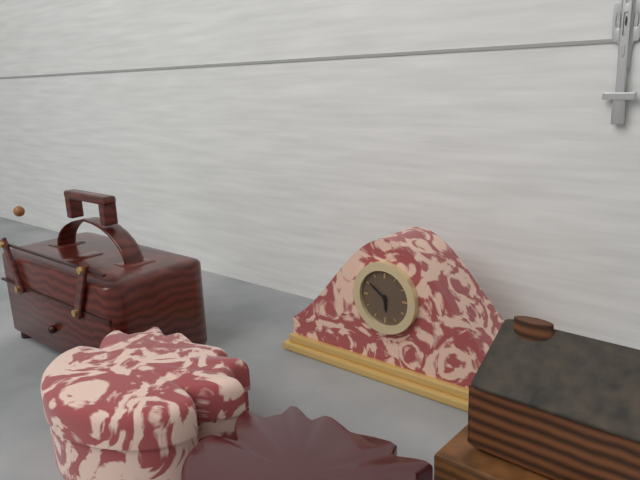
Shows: 5h51
